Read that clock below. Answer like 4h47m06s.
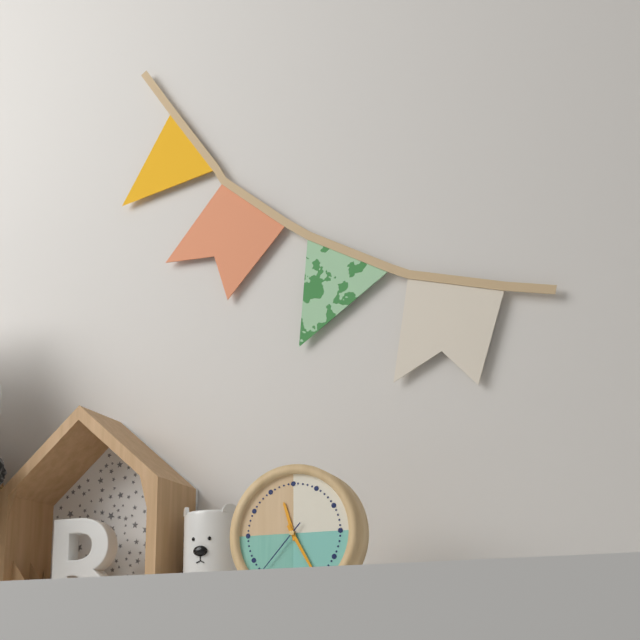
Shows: 11h25m37s
